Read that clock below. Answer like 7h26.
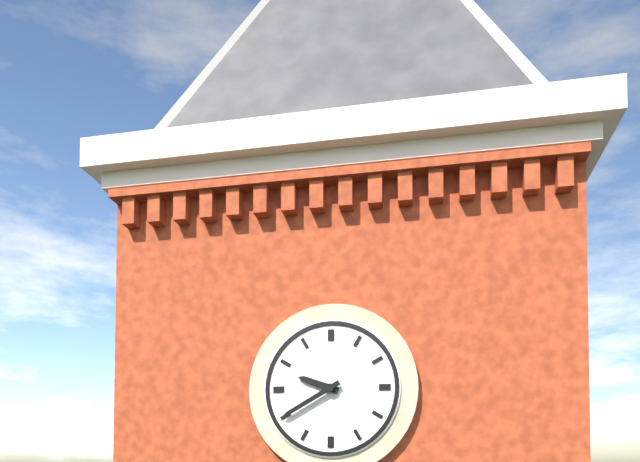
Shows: 9h40
